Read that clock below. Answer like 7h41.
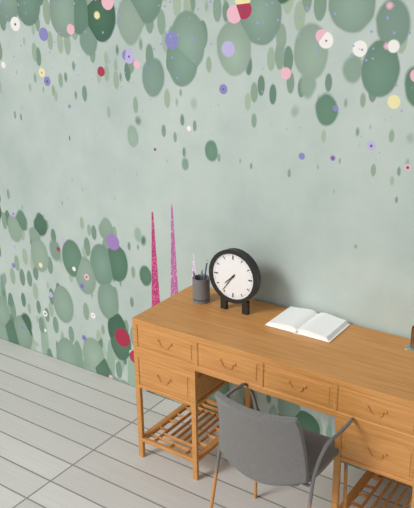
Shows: 7h36
